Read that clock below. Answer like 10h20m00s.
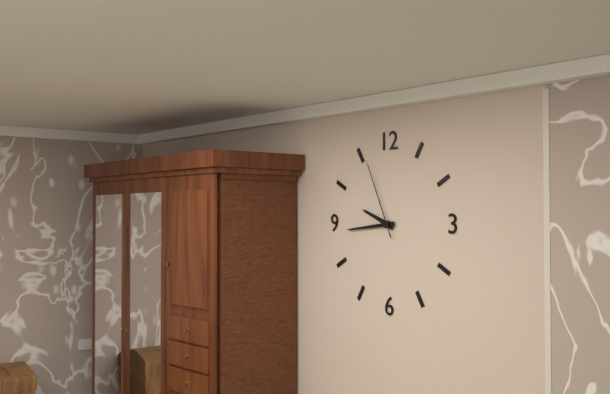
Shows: 9h44m56s
